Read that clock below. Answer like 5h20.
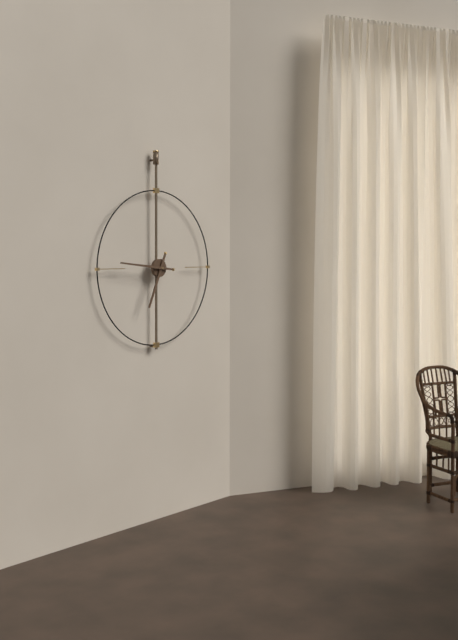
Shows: 6h46
